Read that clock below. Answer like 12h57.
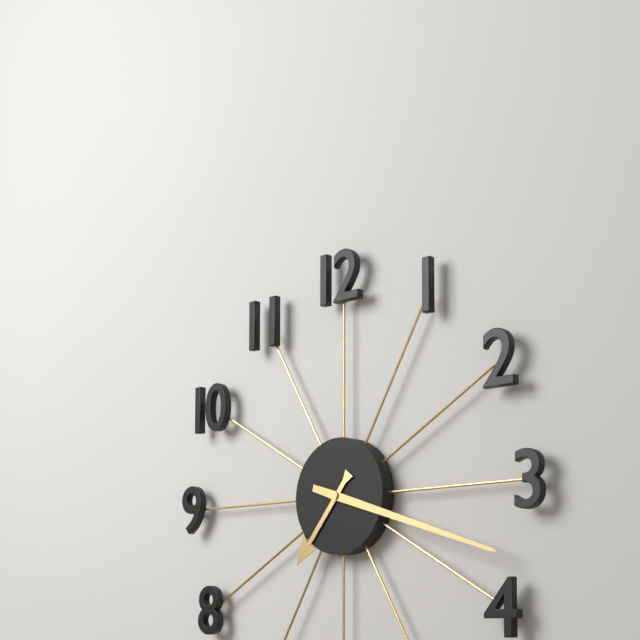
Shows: 7h18
